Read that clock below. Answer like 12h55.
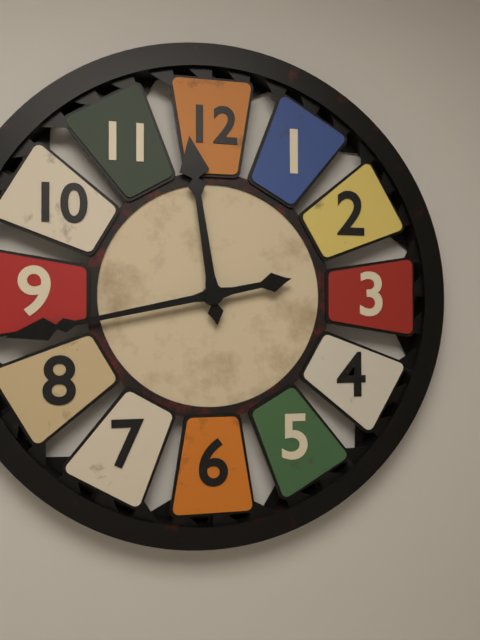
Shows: 11h43
